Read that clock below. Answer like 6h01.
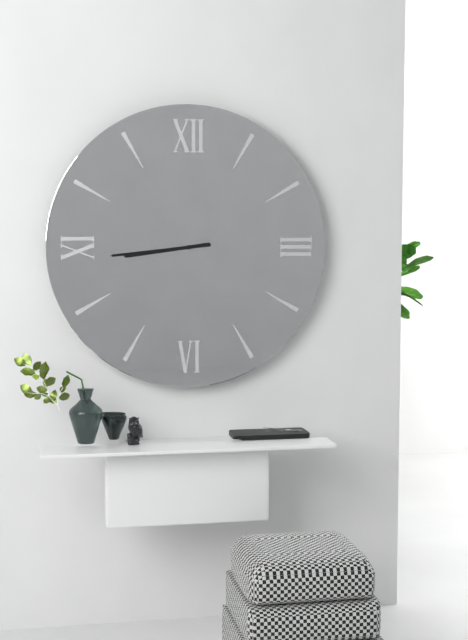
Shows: 8h44
